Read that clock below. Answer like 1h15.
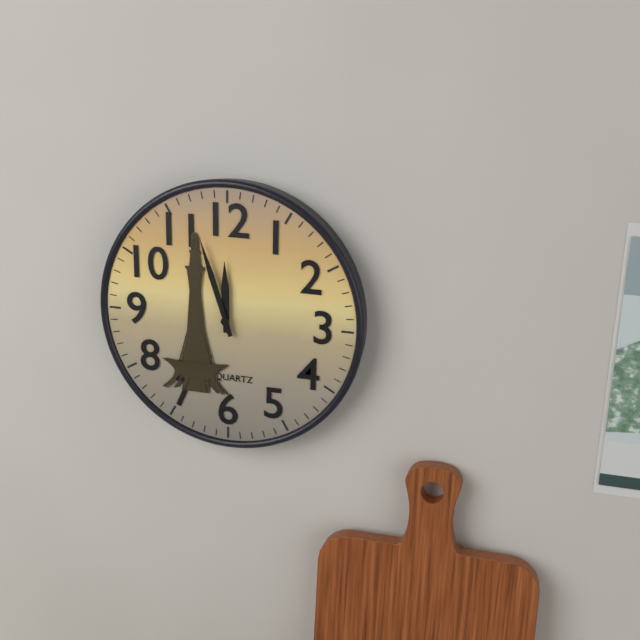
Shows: 11h57
